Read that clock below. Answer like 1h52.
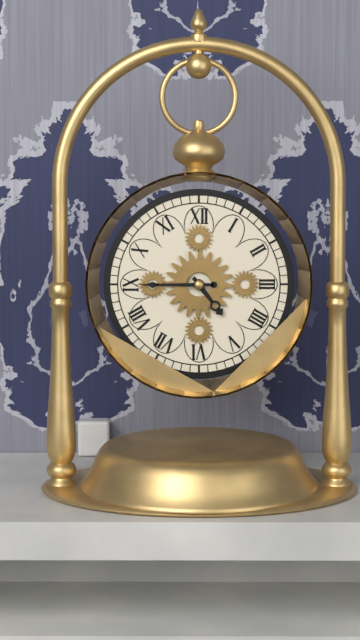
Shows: 4h45
